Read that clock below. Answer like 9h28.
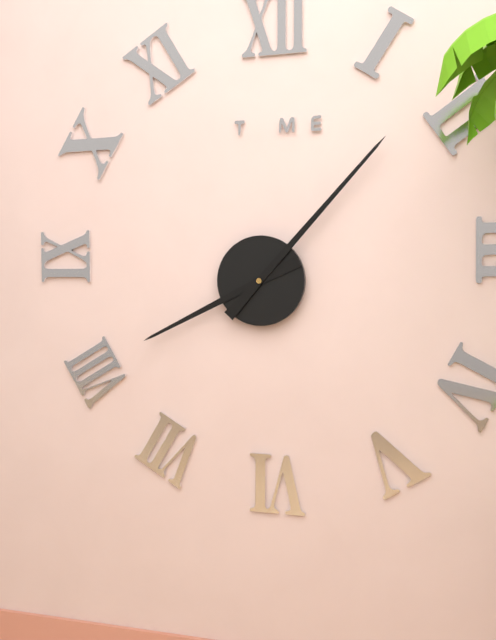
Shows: 8h07
